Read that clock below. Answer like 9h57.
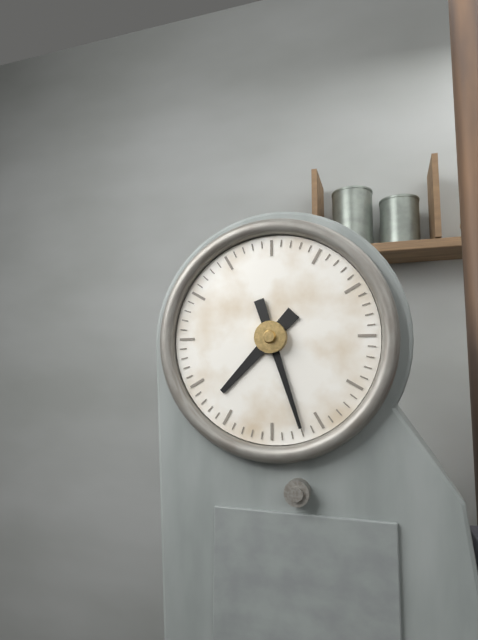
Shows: 7h27
